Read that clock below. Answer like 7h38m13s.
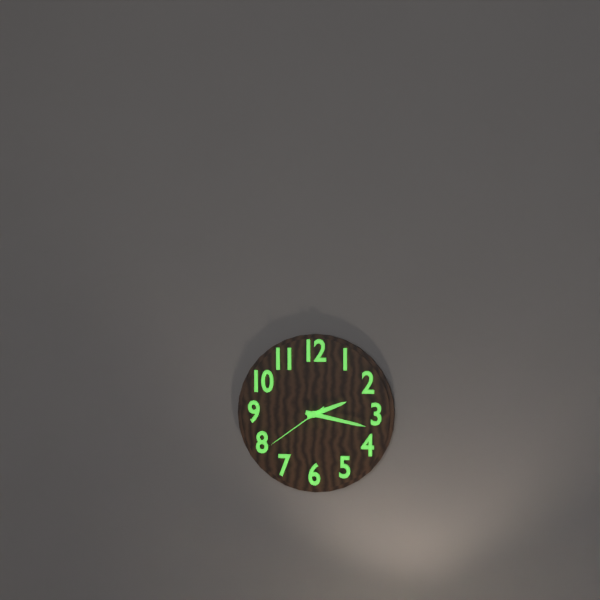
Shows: 2h17m39s
